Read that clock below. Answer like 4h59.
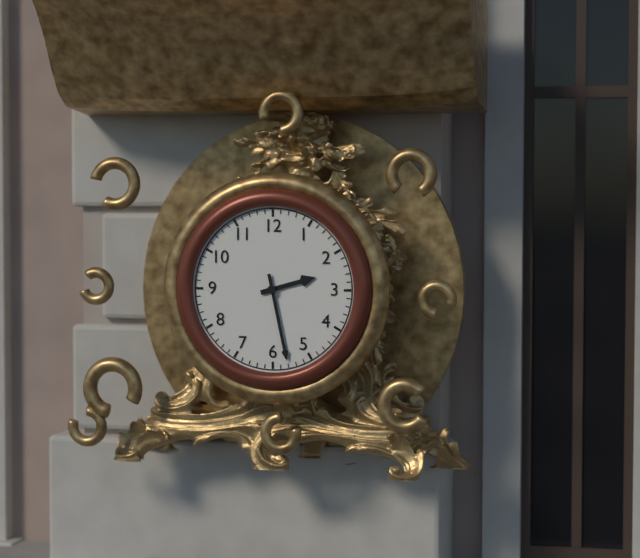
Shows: 2h28
